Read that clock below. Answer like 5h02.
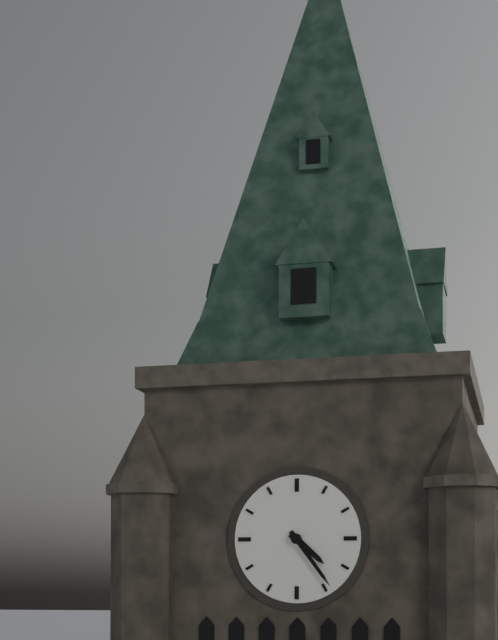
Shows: 4h24
